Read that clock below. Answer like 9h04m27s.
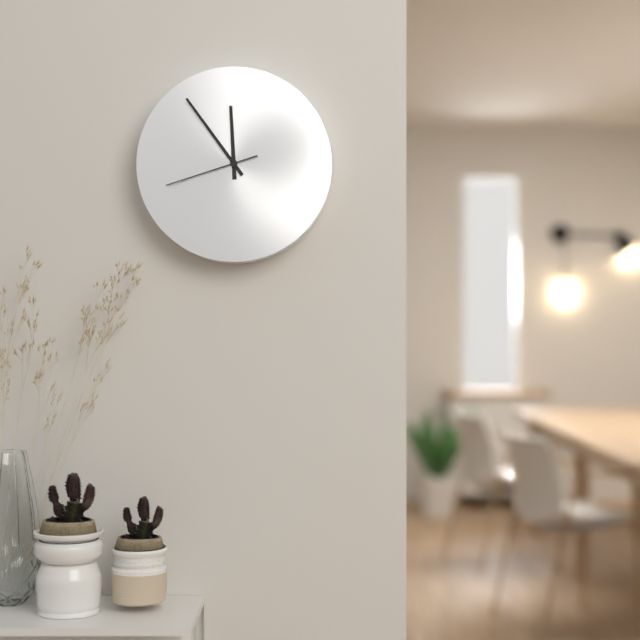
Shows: 11h54m42s
